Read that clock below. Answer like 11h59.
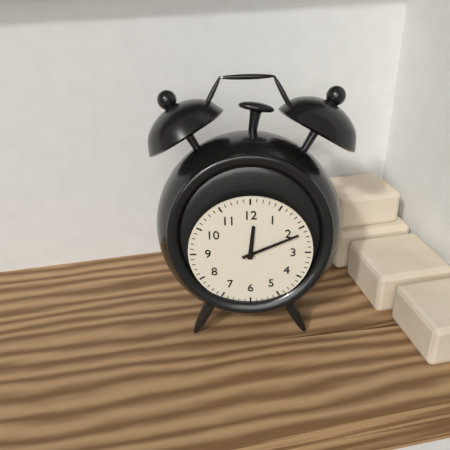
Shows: 12h11
